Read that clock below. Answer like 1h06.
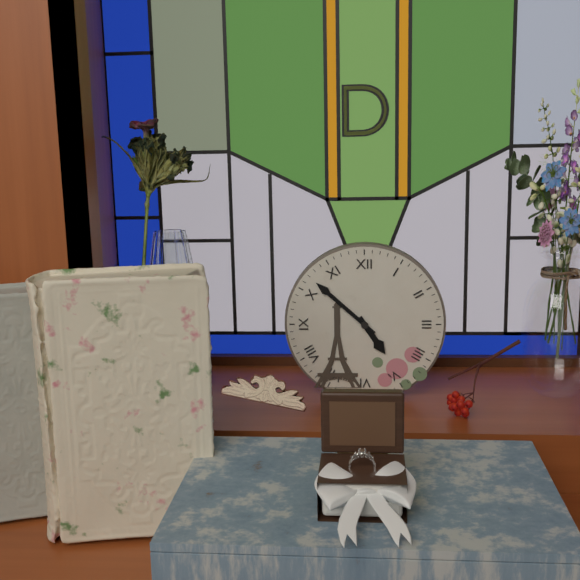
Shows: 4h52
